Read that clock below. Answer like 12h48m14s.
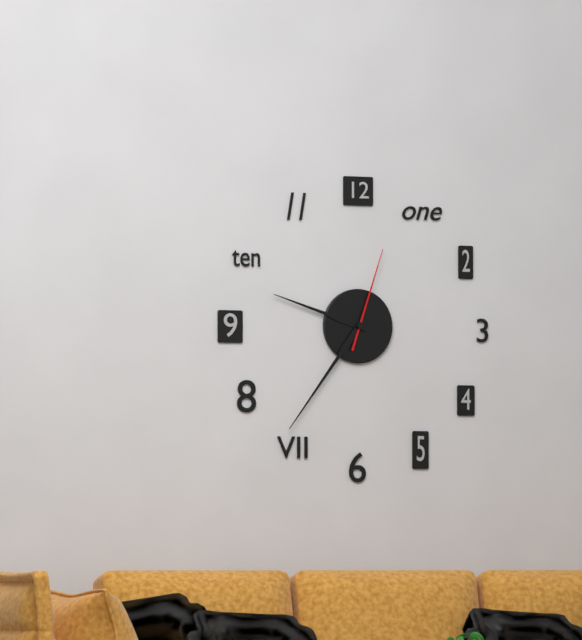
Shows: 9h36m03s
